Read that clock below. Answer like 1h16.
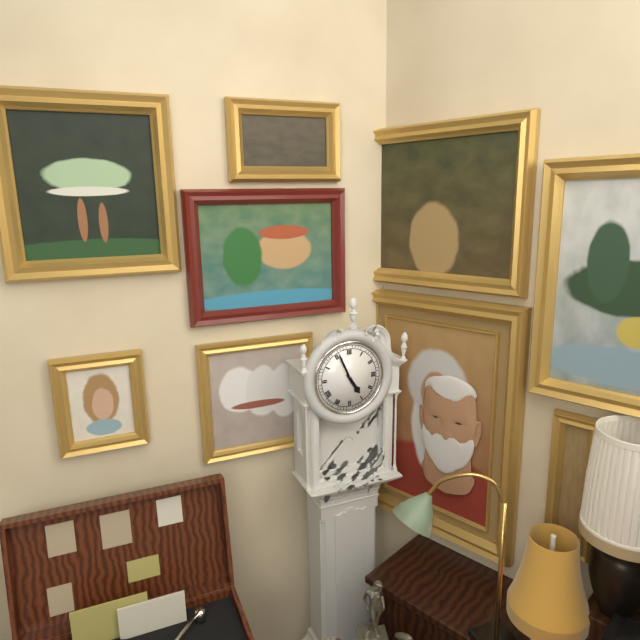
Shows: 4h56
